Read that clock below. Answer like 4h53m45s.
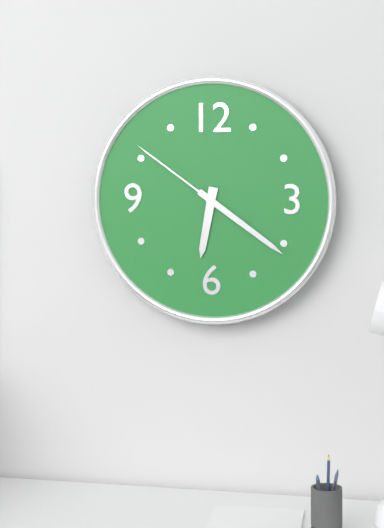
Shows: 6h21m51s
